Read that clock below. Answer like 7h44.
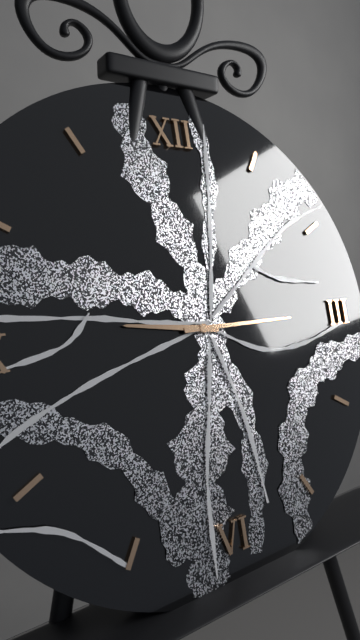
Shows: 9h15
